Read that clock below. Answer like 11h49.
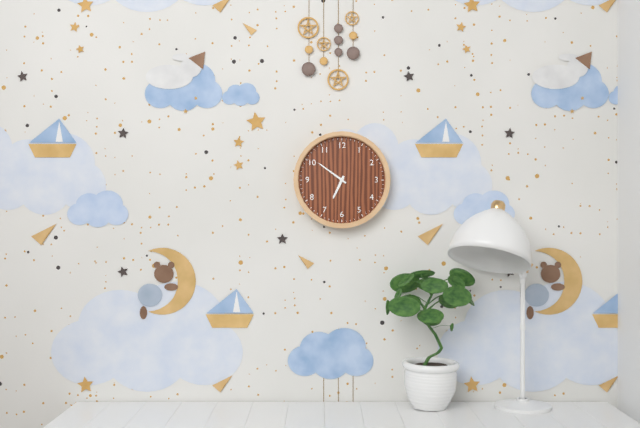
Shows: 6h51
